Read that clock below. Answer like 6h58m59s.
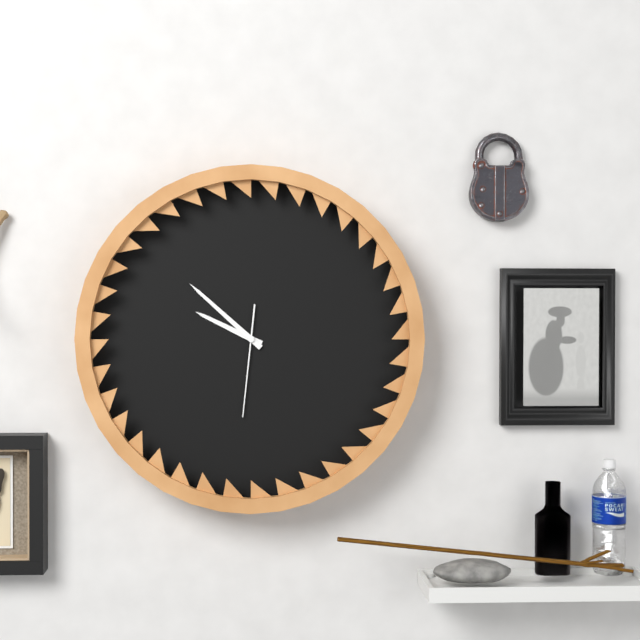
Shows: 9h52m31s
